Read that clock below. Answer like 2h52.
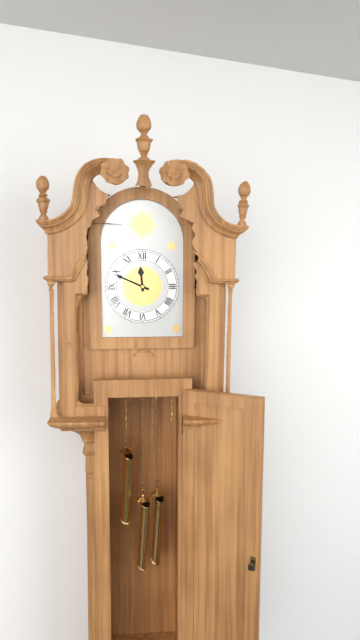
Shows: 11h49
